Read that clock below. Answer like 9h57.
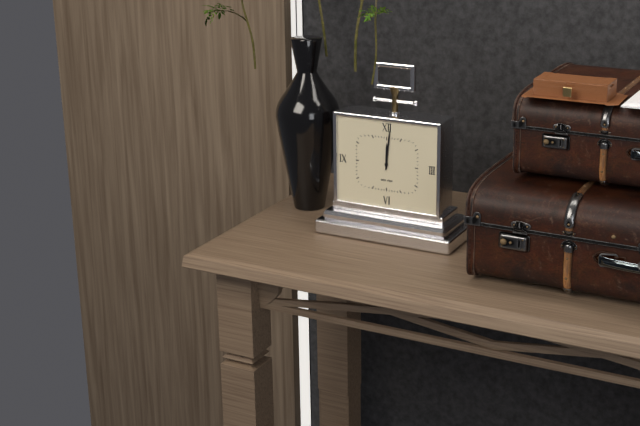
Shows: 12h01
